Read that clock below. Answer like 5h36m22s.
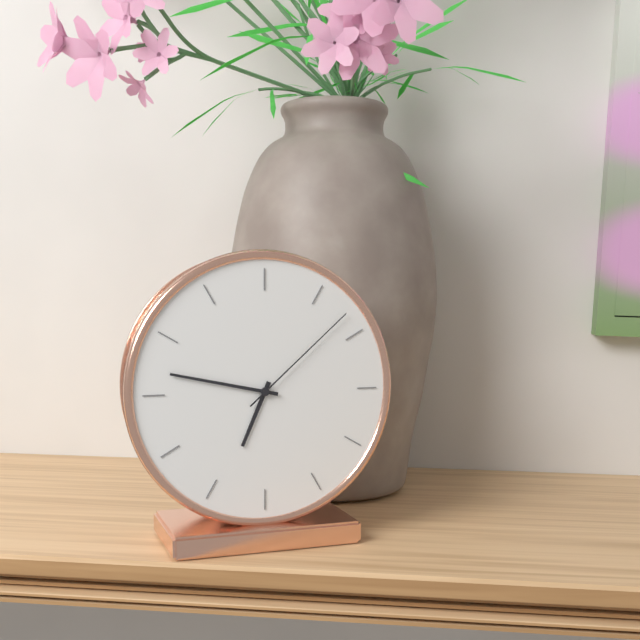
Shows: 6h47m08s
